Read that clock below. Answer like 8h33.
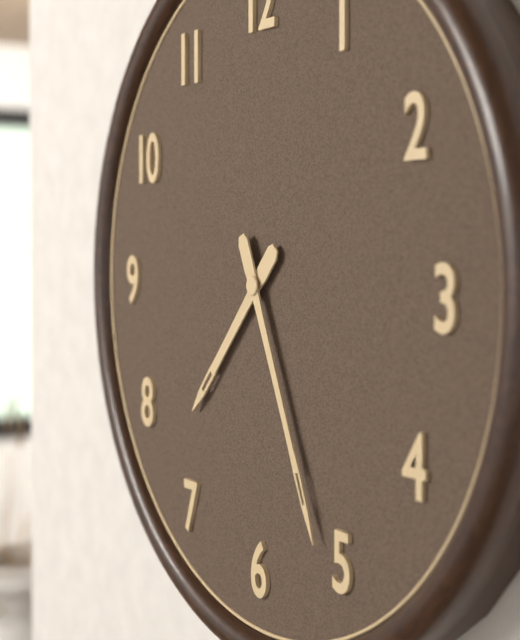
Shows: 7h26
